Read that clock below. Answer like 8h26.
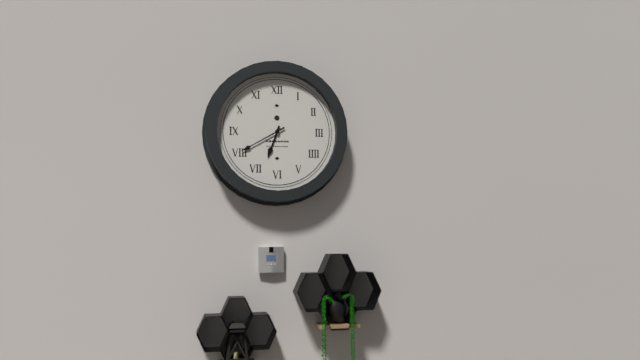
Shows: 6h40
